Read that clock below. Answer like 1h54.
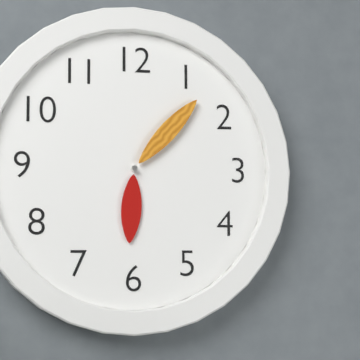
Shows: 6h07
